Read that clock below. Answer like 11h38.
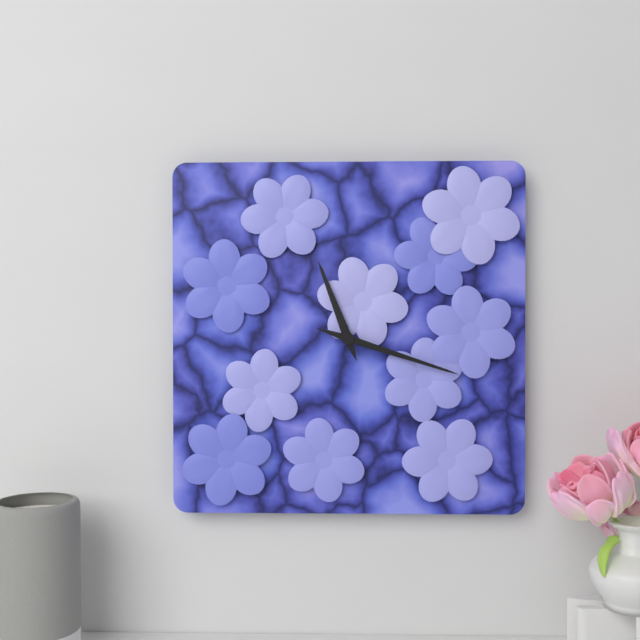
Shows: 11h18
